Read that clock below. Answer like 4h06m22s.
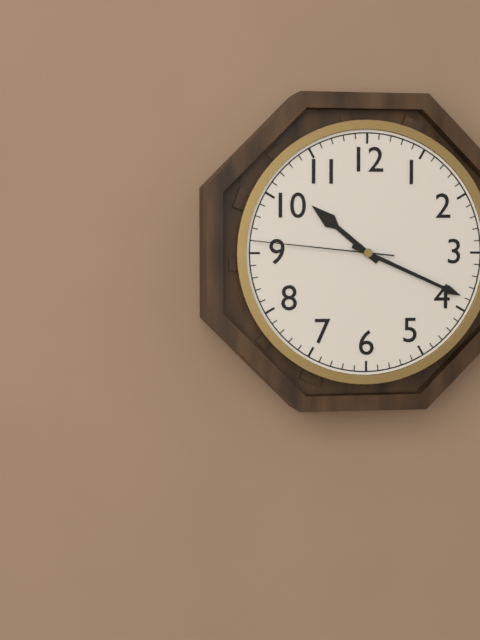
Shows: 10h19m46s
